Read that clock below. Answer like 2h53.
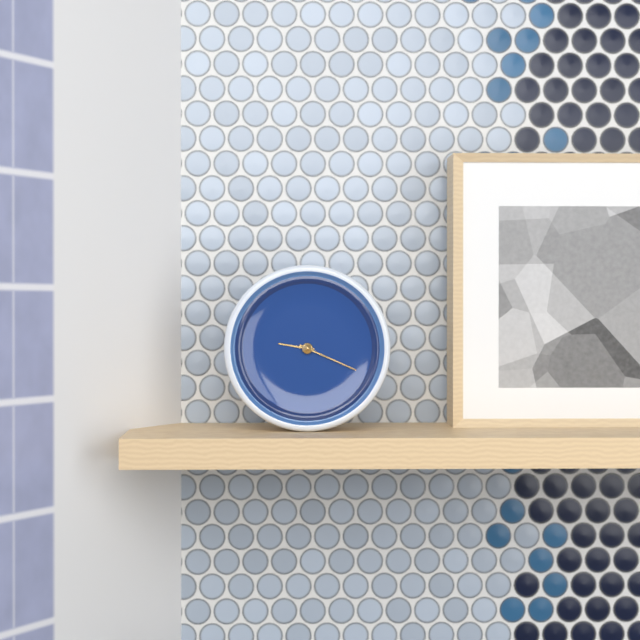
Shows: 9h19
